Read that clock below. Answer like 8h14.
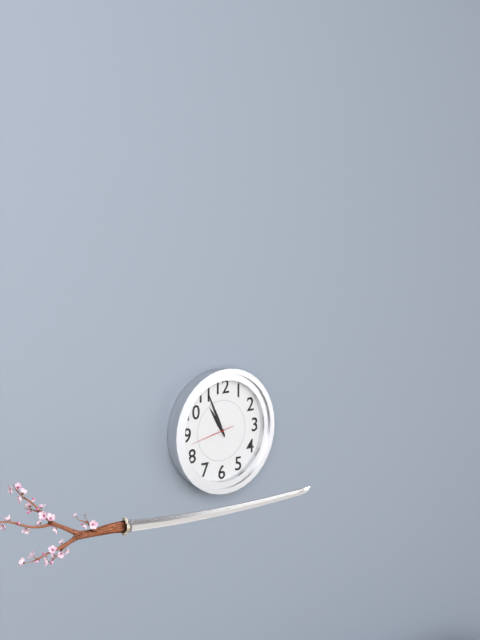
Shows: 10h56
